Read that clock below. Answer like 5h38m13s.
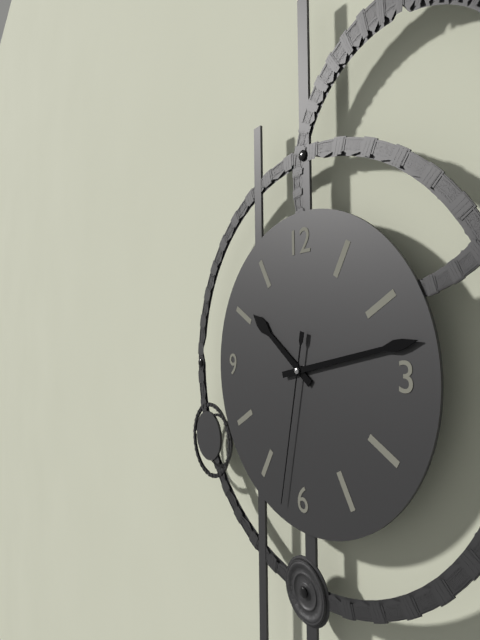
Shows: 10h13m32s
